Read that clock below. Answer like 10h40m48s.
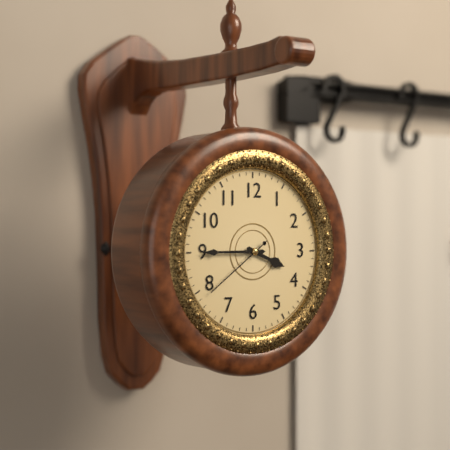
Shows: 3h45m39s
